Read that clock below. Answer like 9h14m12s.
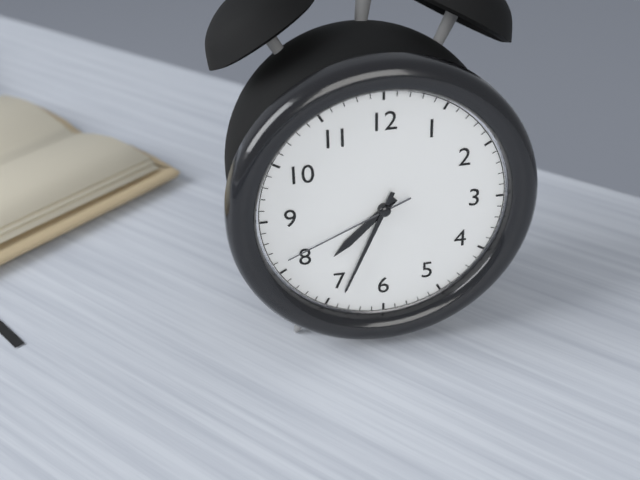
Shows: 7h34m41s
